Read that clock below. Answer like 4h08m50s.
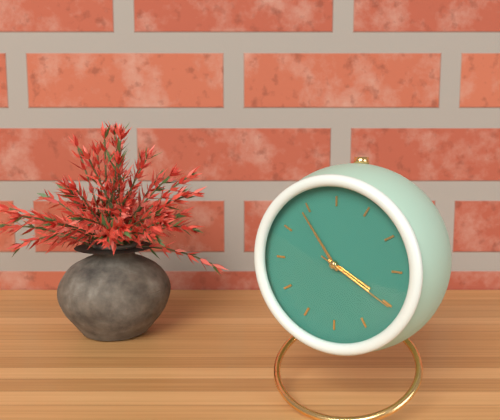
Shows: 3h54m20s
